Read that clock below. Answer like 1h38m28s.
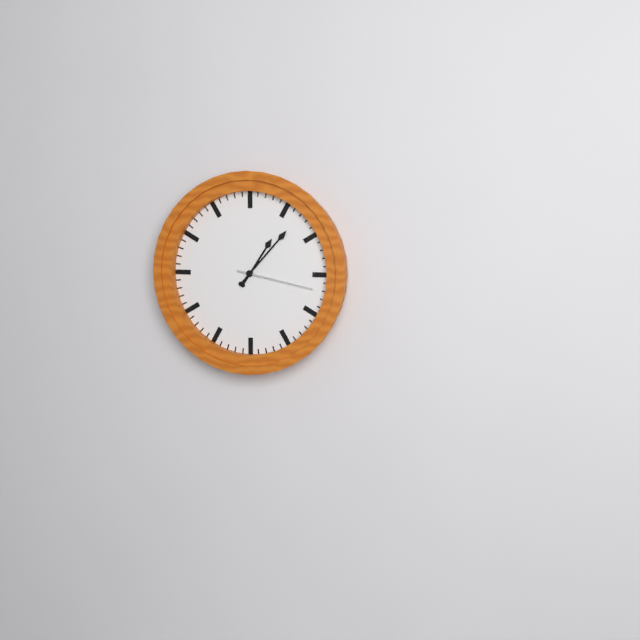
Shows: 1h07m17s
